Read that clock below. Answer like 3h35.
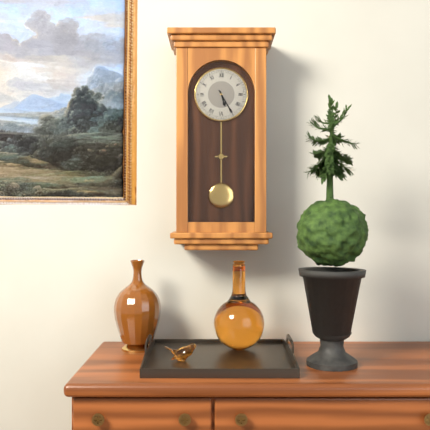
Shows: 5h25
